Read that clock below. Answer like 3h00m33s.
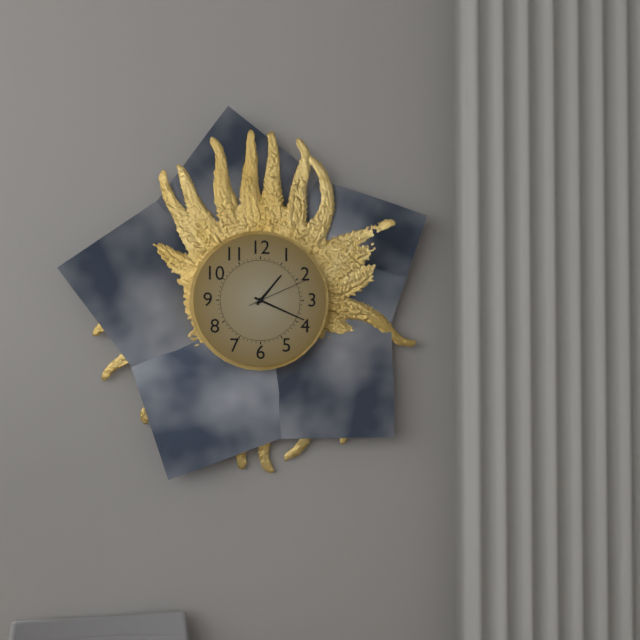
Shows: 1h19m11s
